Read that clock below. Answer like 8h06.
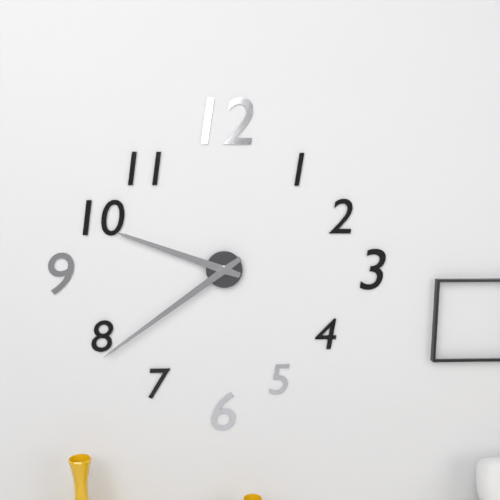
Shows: 9h39
